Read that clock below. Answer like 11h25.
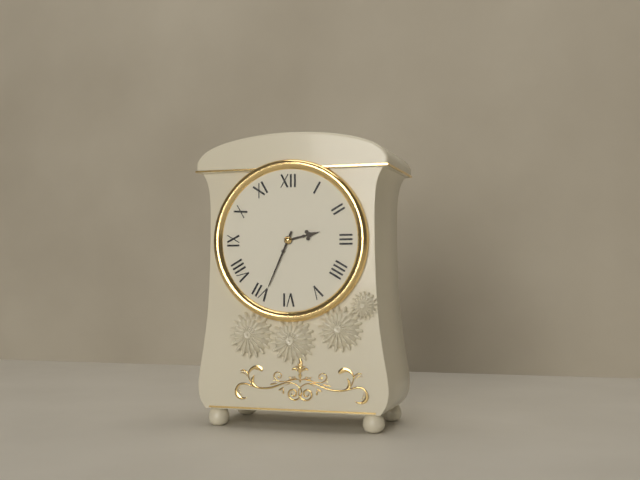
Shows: 2h34
